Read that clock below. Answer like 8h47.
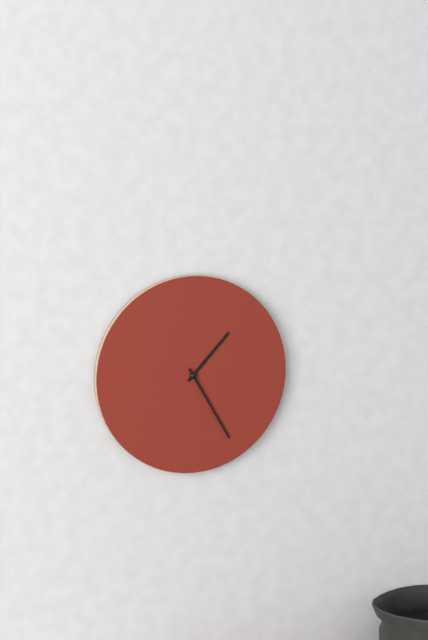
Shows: 1h25
